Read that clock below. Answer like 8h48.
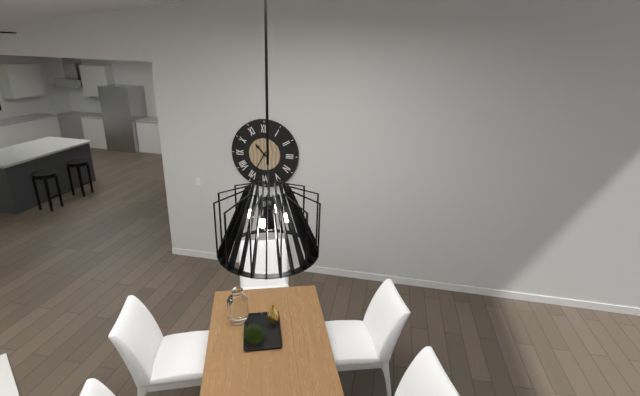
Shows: 10h35
